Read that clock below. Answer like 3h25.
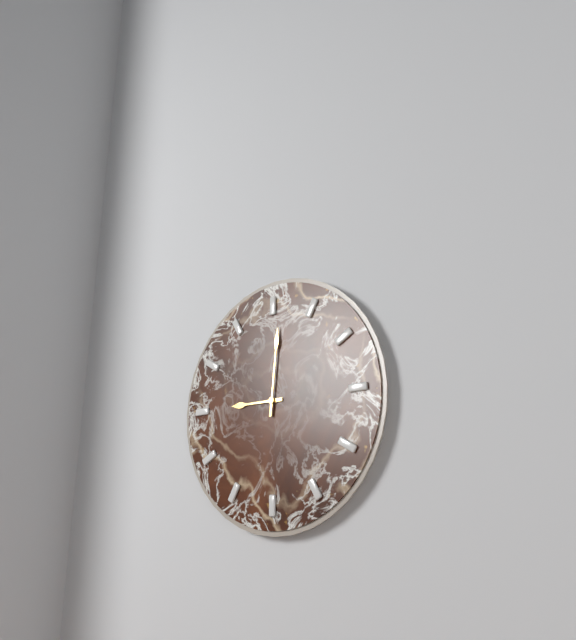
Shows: 9h01
